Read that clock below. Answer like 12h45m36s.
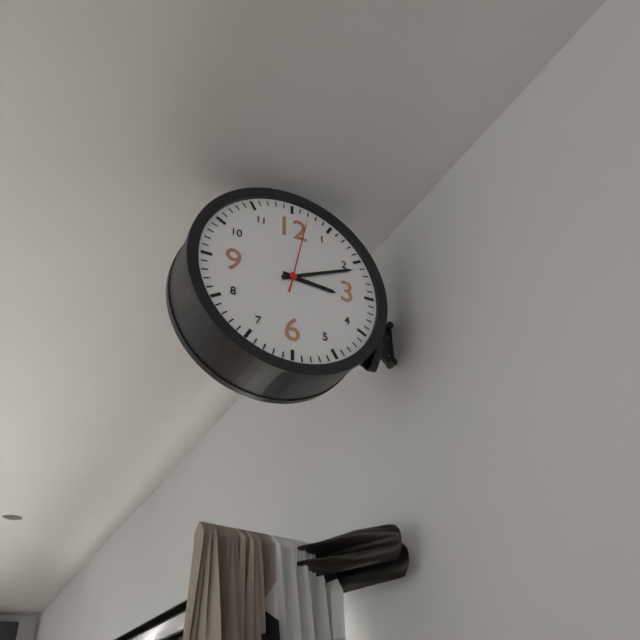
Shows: 3h11m02s
